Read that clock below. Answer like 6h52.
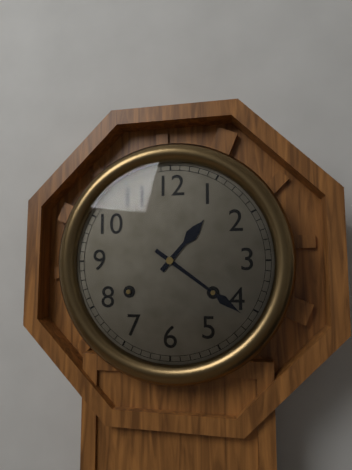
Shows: 1h21
